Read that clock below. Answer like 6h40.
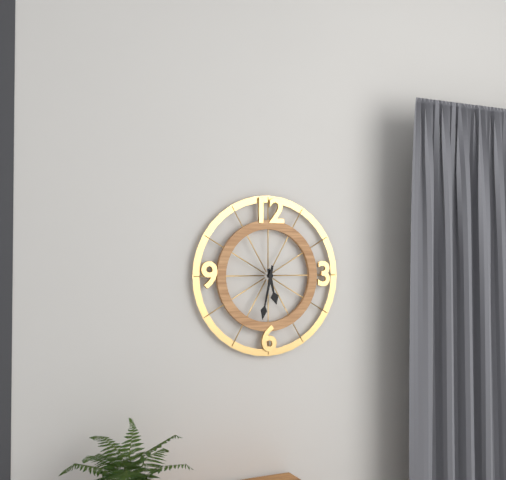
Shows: 5h32
